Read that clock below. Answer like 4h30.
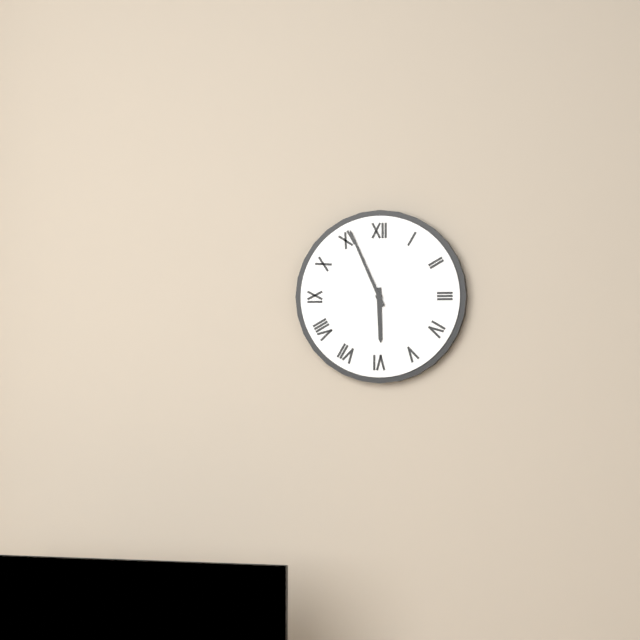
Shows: 5h56
